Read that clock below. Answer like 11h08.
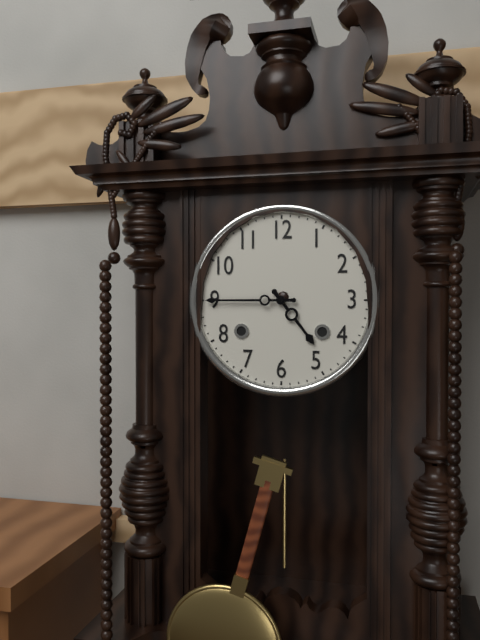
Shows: 4h45
